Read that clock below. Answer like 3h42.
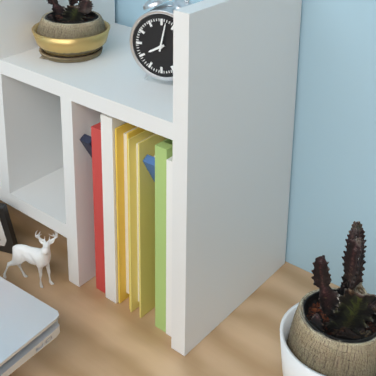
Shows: 8h02
